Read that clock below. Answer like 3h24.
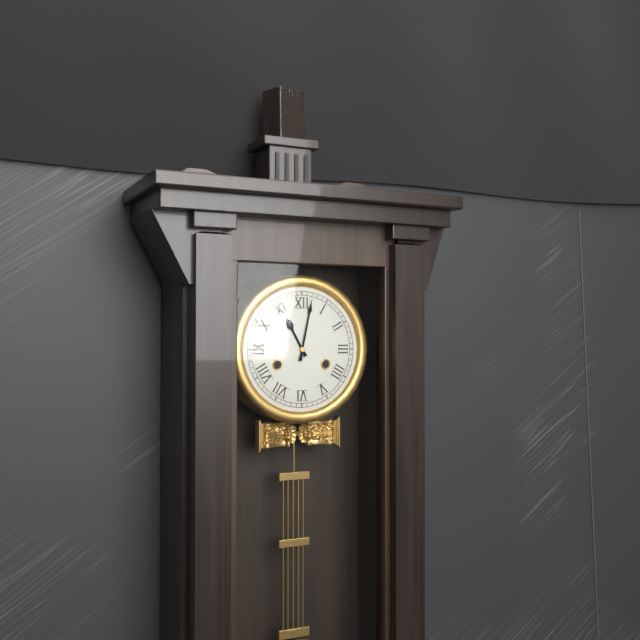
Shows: 11h02
